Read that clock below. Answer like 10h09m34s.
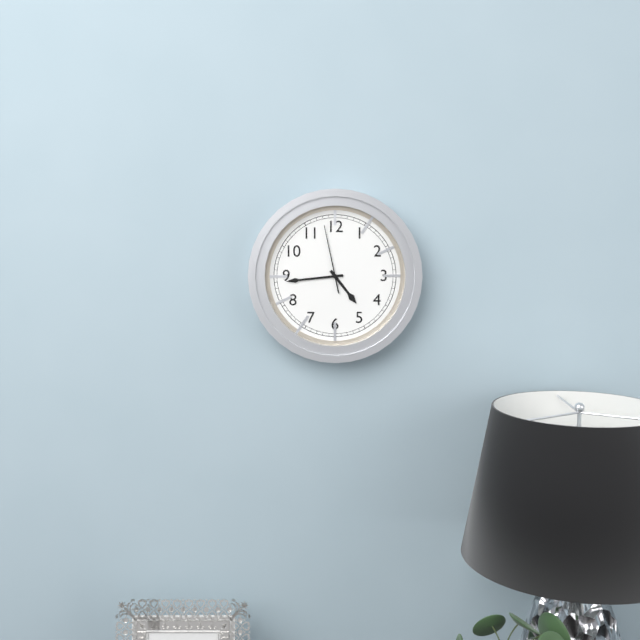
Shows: 4h44m58s
